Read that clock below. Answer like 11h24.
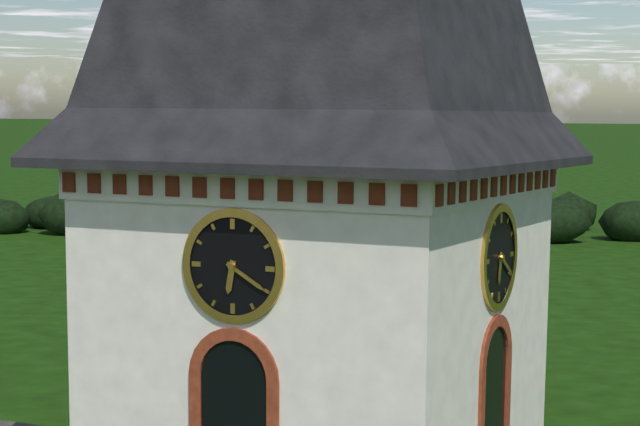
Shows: 6h20
